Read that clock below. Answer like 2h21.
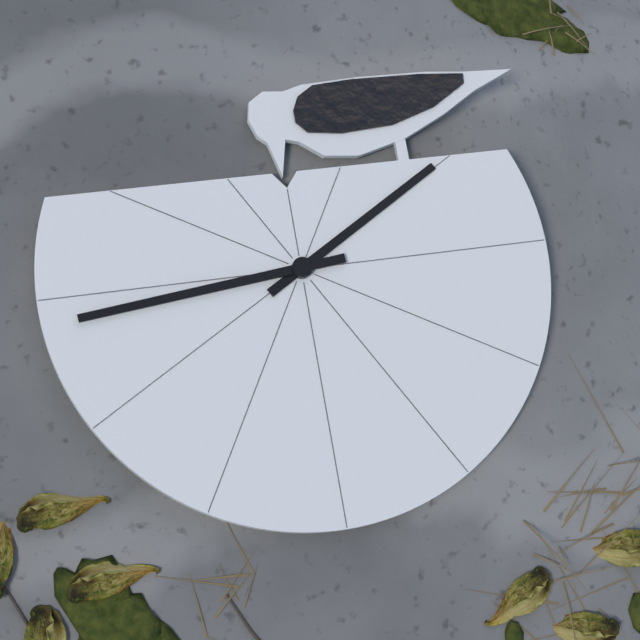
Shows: 4h59
